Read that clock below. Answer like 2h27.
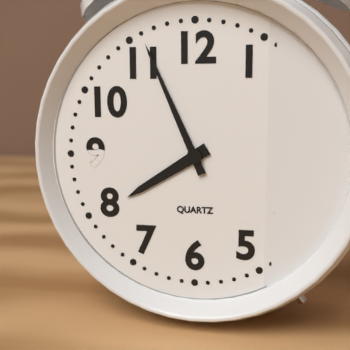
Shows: 7h56
